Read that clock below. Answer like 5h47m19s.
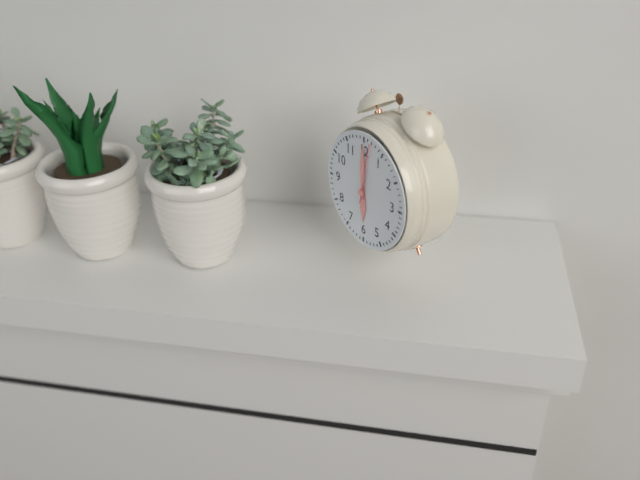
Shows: 6h00m02s
